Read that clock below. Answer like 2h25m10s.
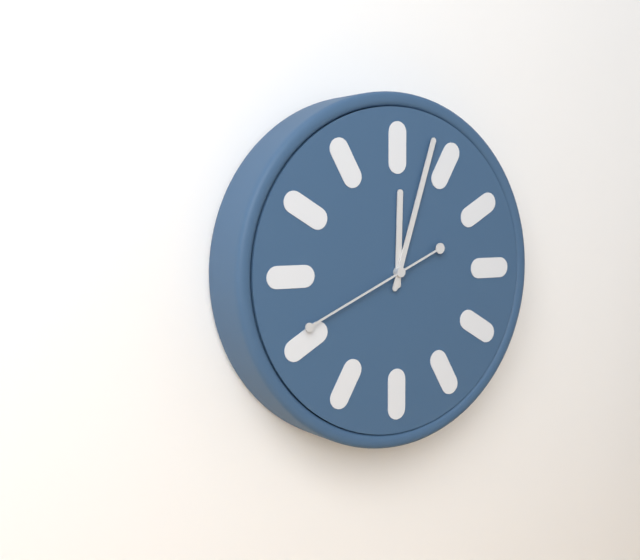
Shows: 12h03m41s
